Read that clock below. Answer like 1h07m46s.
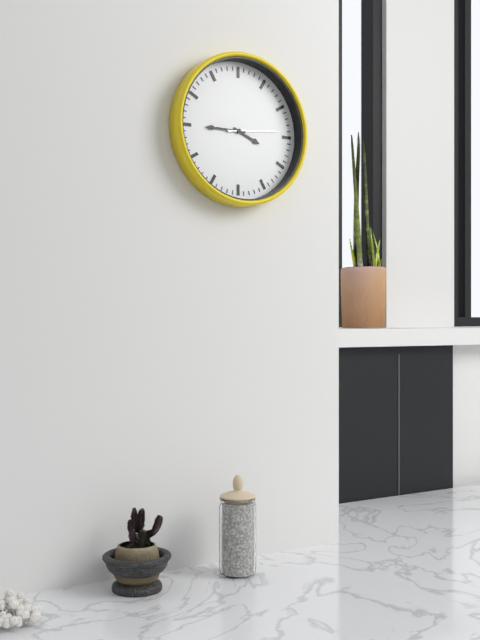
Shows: 3h45m14s
